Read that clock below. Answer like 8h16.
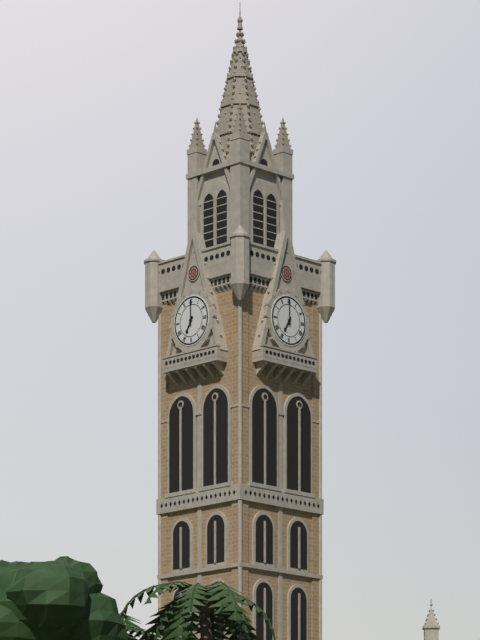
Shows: 7h00
